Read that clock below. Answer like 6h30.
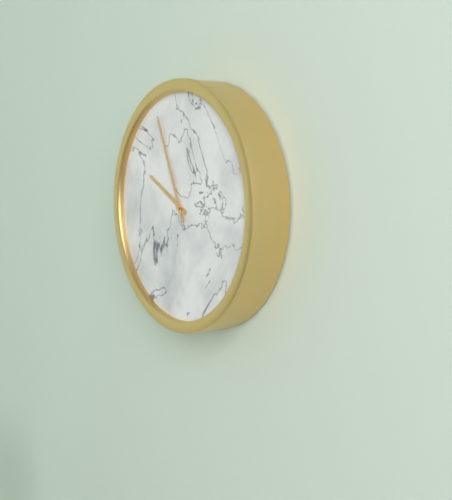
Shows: 9h56
